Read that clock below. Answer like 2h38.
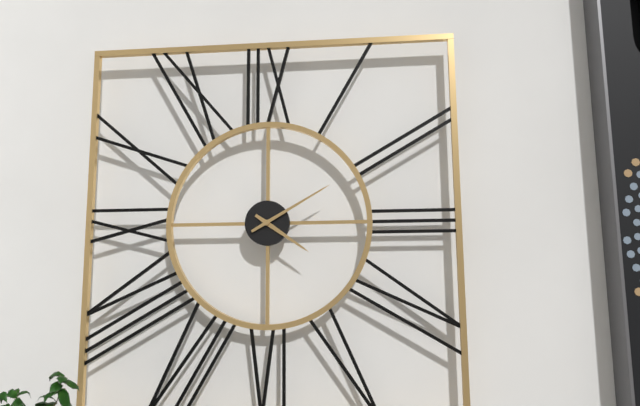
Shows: 4h10
